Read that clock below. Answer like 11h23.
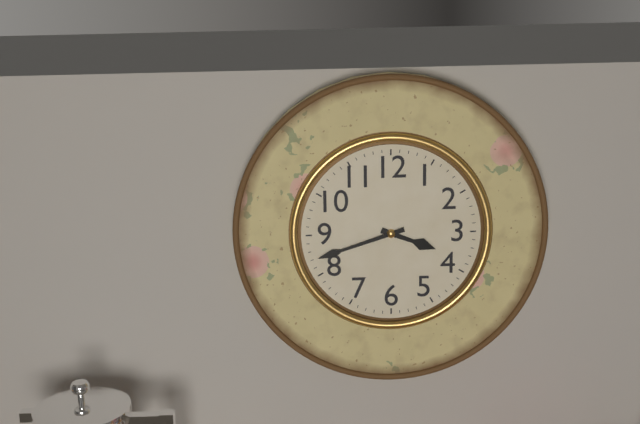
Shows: 3h42
